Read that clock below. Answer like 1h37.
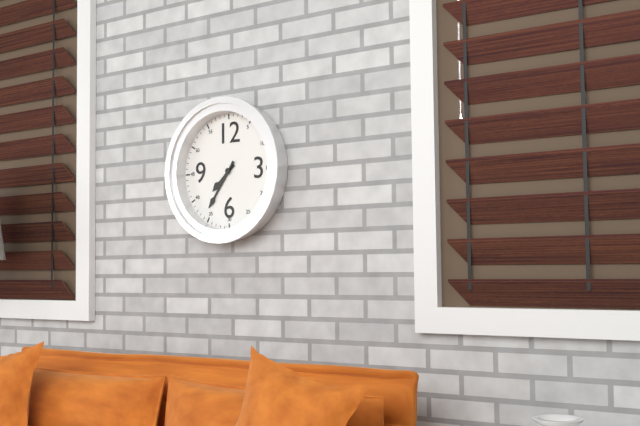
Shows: 7h36
